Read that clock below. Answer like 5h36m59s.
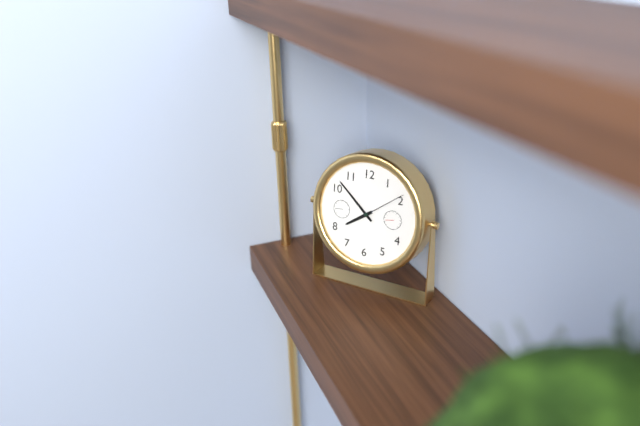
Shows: 7h52m09s
